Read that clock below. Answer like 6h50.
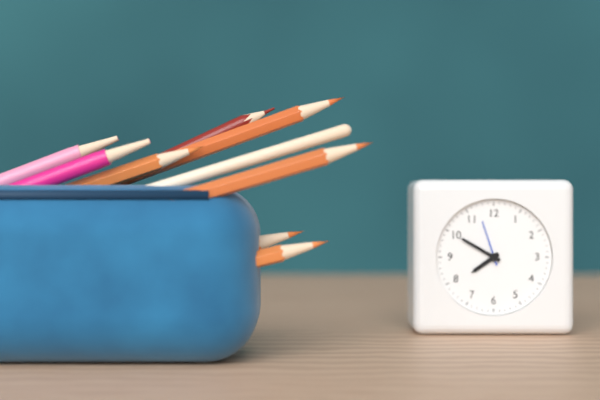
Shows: 7h50
